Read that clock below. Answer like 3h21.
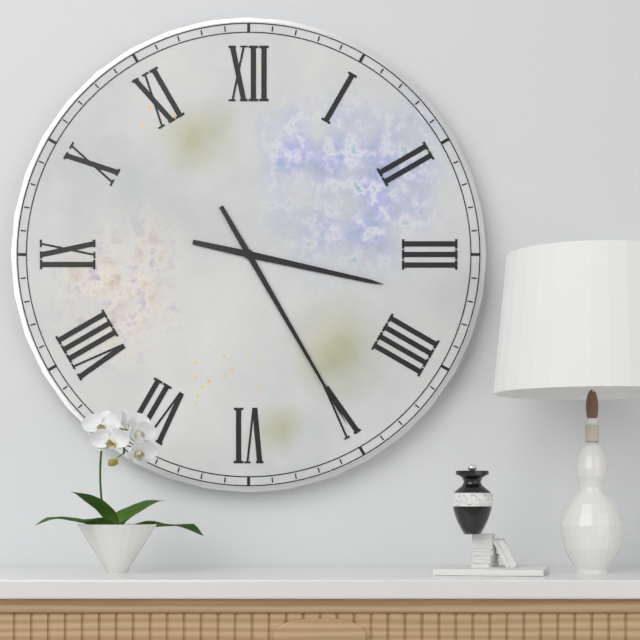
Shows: 3h25
